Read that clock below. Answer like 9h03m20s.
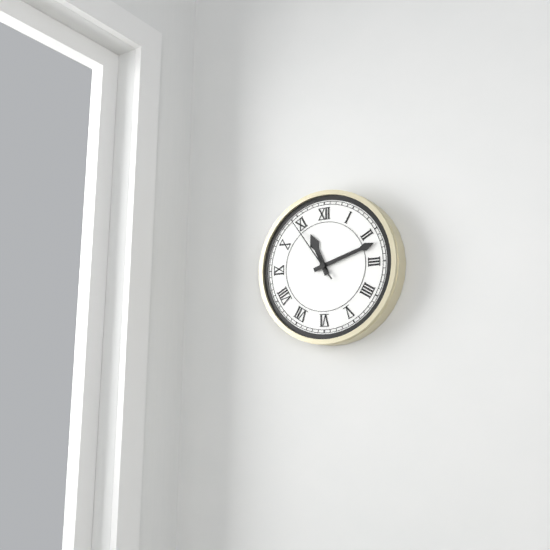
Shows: 11h12m54s
